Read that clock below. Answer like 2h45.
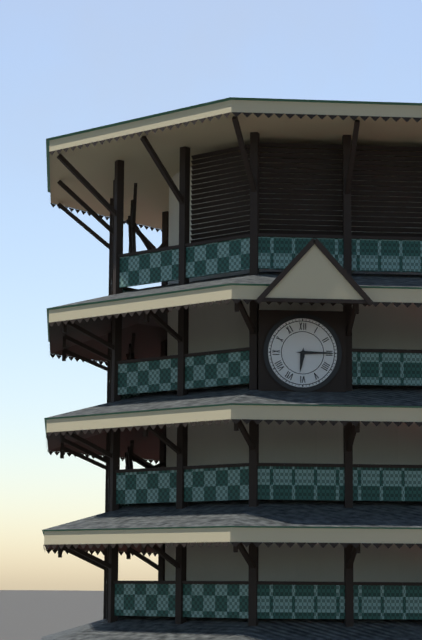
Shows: 6h15
